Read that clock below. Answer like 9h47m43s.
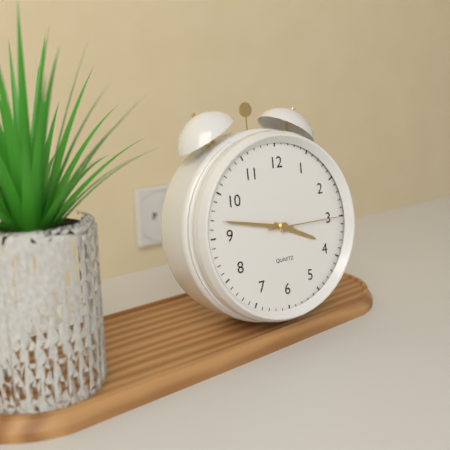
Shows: 3h47m15s
